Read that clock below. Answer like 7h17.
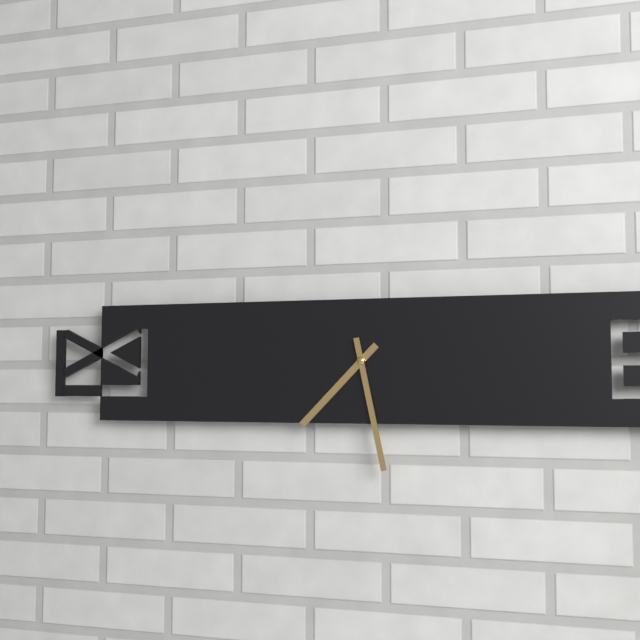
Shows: 7h28
